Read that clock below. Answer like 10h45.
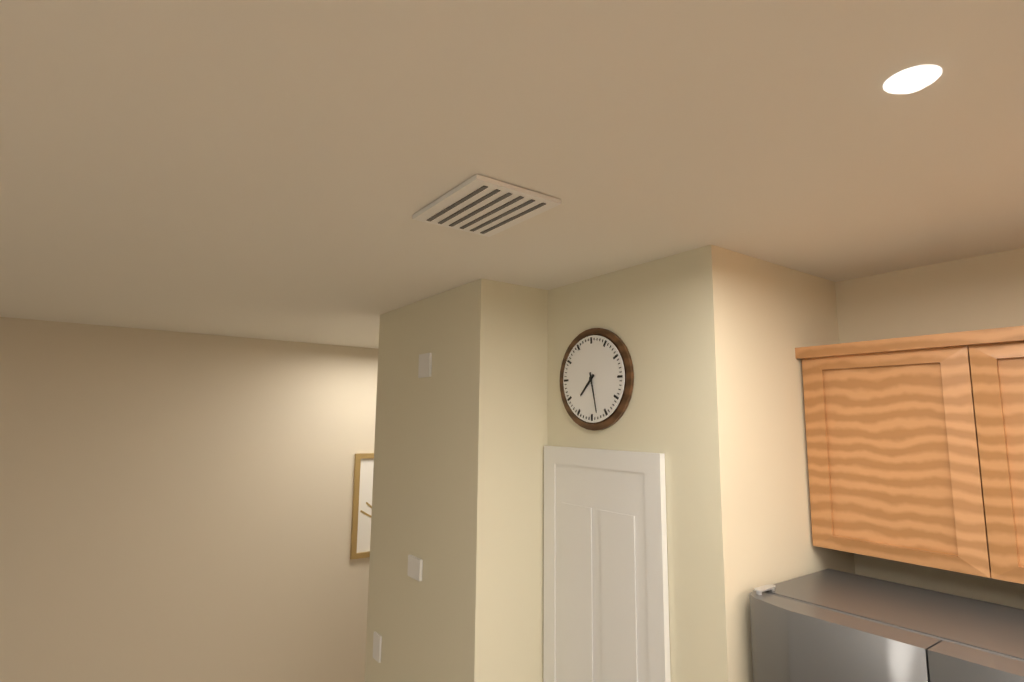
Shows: 7h28
